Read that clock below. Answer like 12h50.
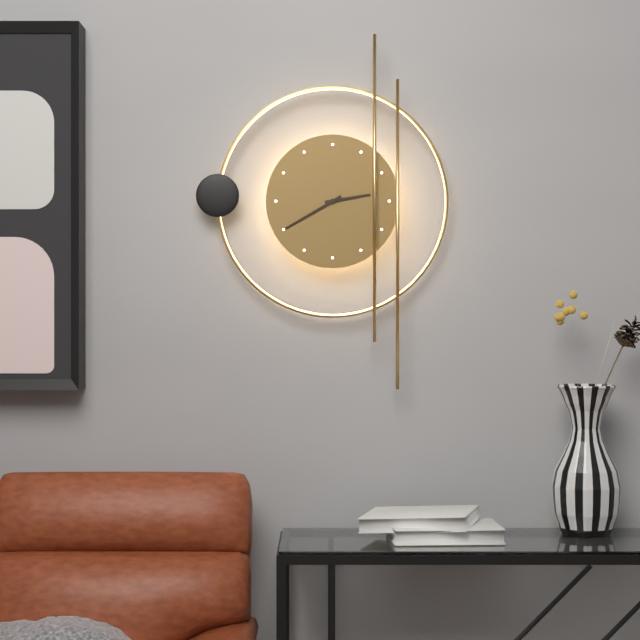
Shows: 2h40
